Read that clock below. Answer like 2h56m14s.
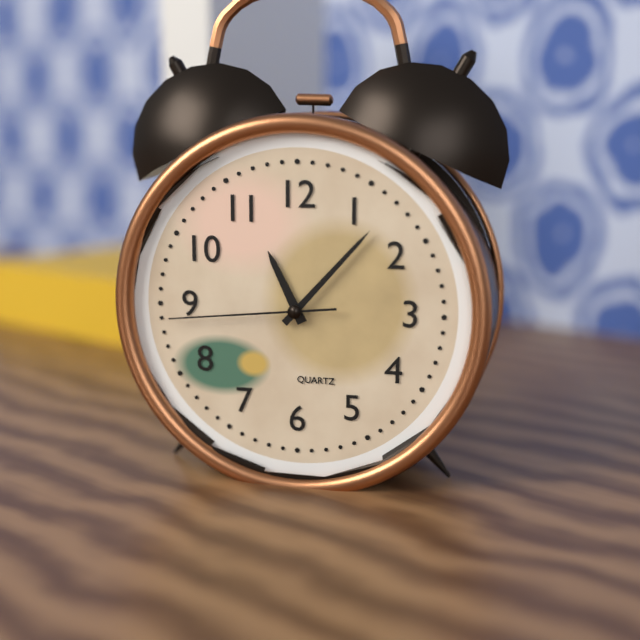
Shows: 11h07m44s
